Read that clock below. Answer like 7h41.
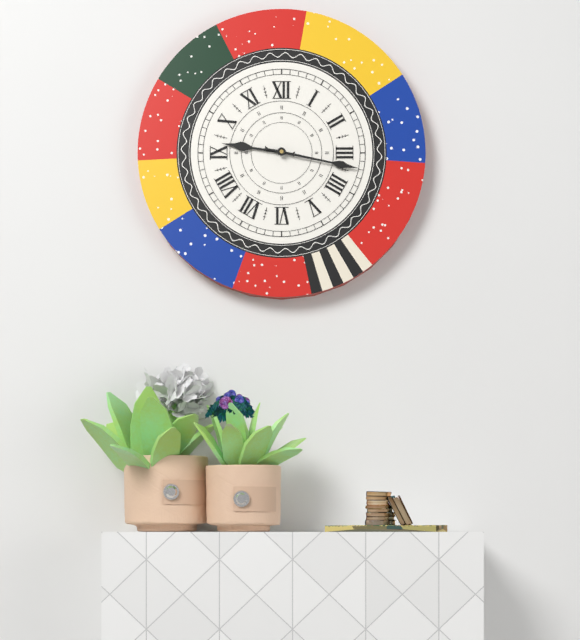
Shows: 9h17
